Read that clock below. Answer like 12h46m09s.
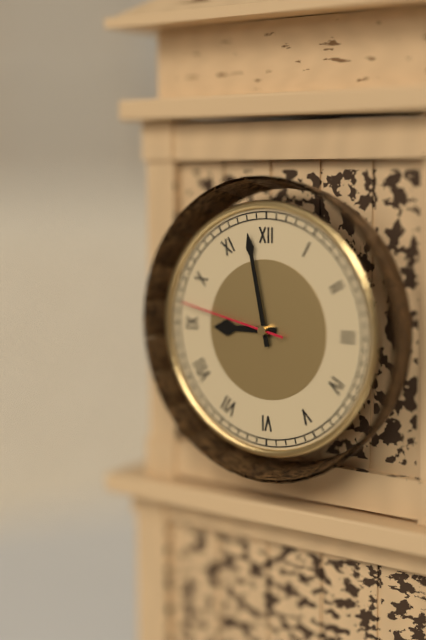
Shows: 8h58m47s
